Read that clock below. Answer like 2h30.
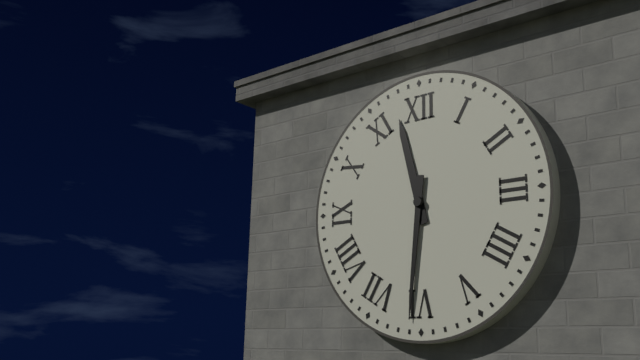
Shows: 11h31
